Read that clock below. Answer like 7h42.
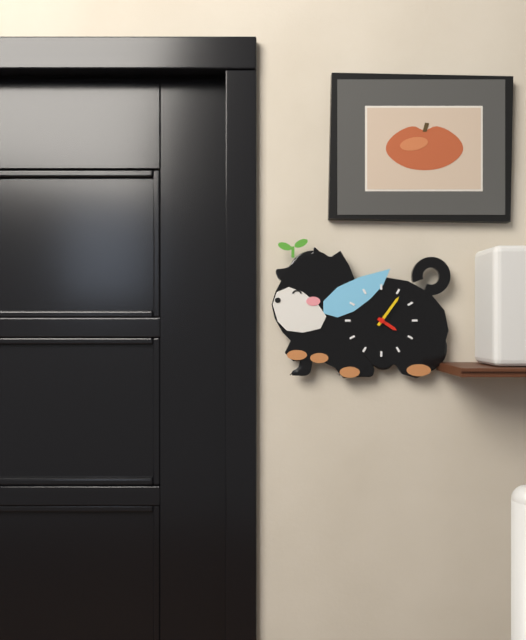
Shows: 4h06
